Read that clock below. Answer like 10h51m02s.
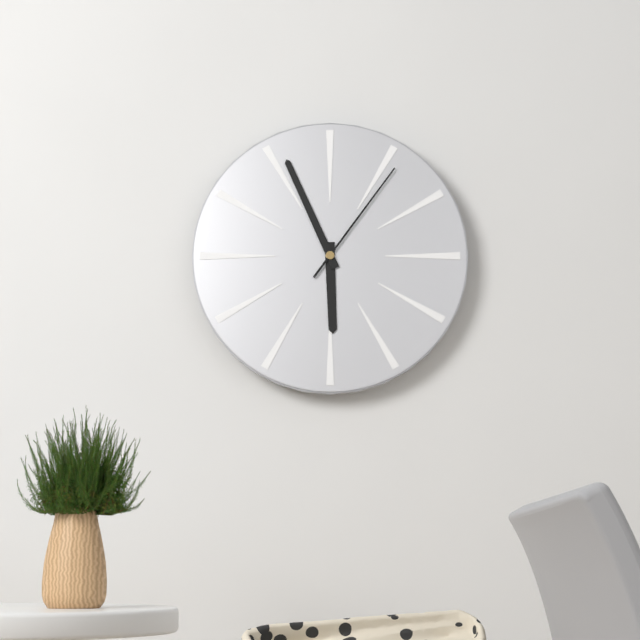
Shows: 5h56m06s
